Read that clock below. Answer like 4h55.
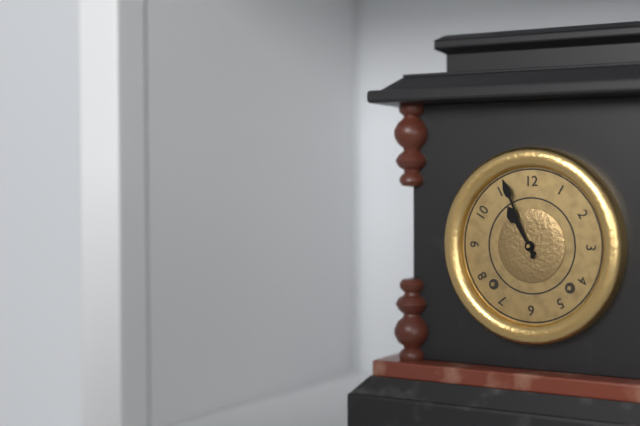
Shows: 10h56
